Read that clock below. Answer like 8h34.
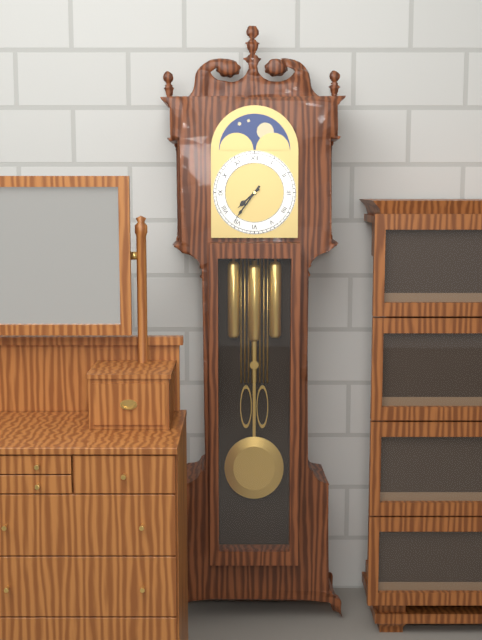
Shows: 7h36
